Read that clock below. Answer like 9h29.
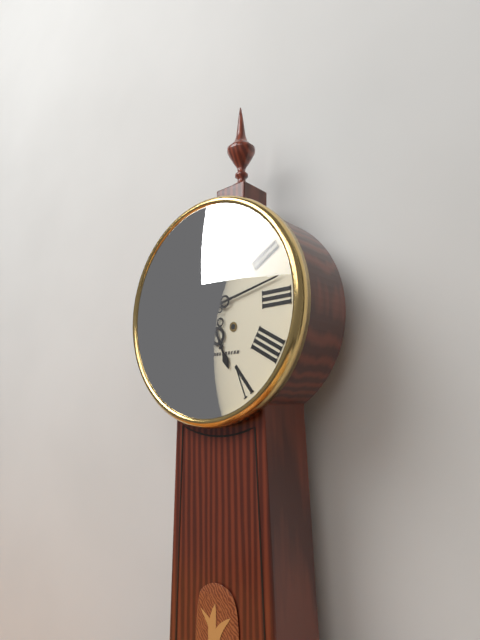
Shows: 5h13
